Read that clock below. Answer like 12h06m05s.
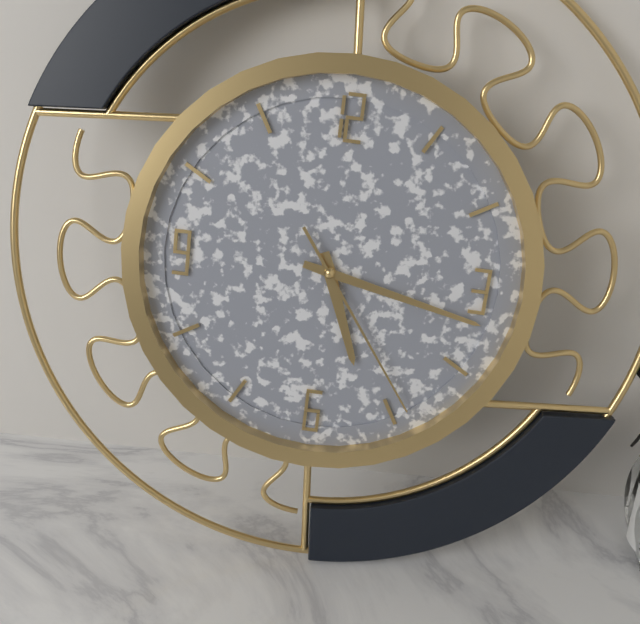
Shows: 5h17m24s
